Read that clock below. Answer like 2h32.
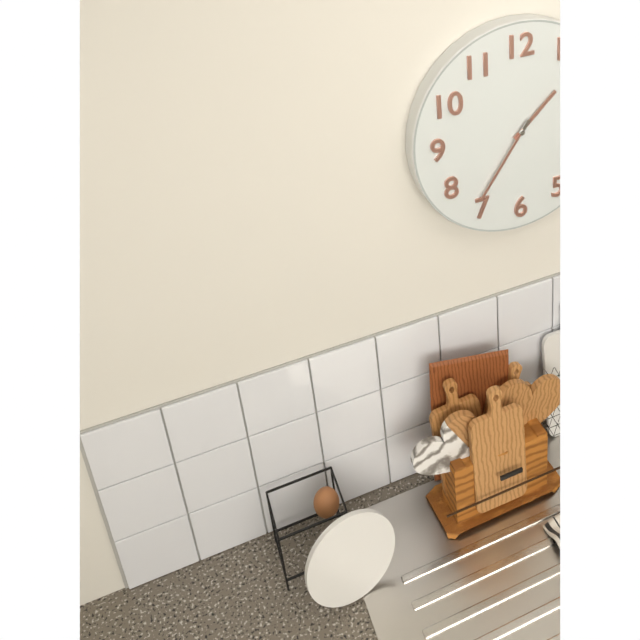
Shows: 1h36
